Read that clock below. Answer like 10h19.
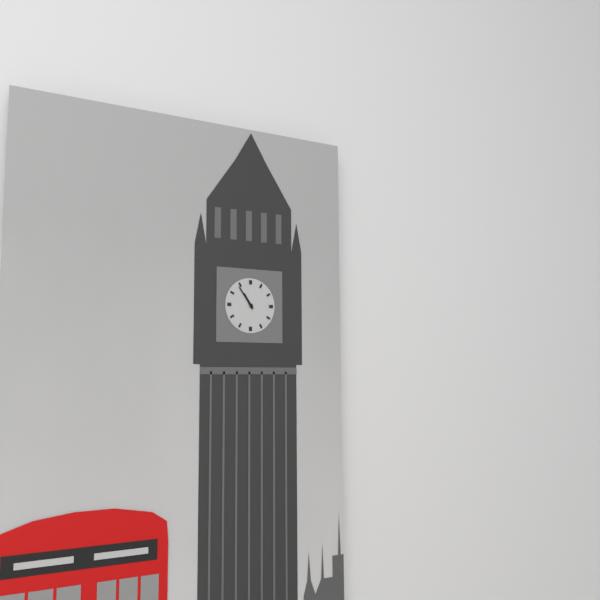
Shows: 10h54
